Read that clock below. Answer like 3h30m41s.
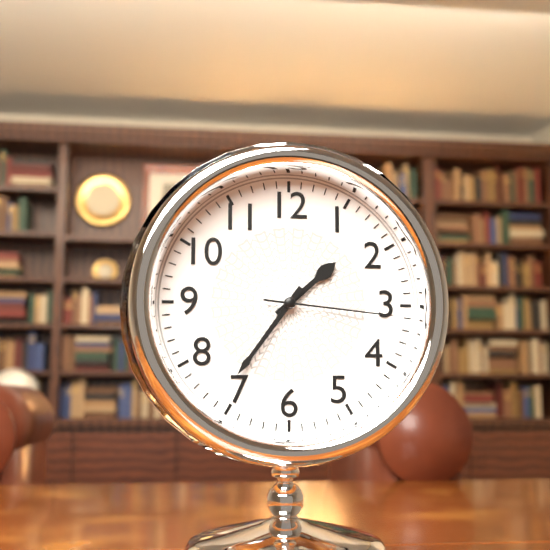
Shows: 1h36m16s
